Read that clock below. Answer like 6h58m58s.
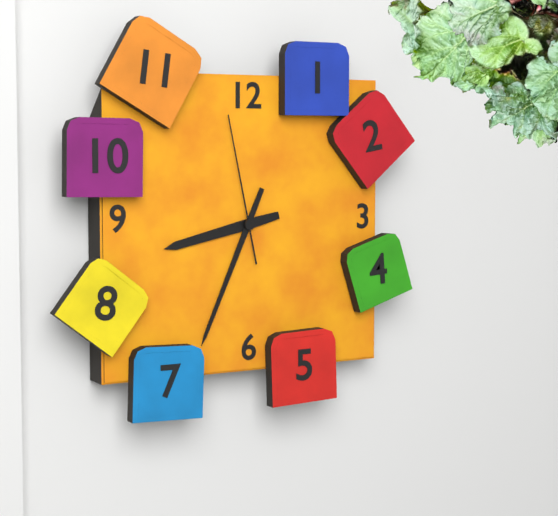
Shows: 8h34m58s
